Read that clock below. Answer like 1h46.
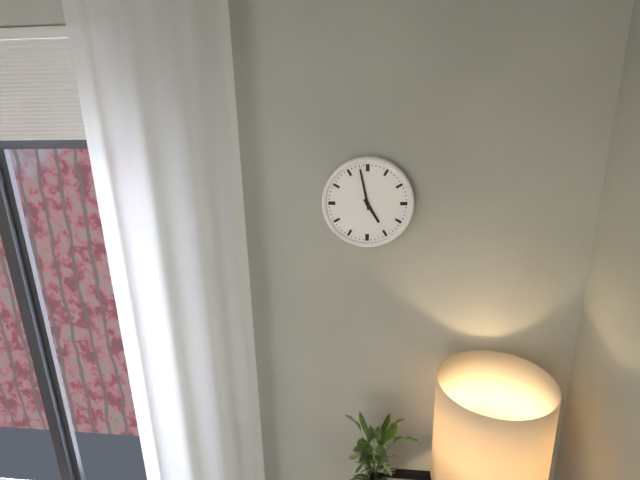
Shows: 4h58
